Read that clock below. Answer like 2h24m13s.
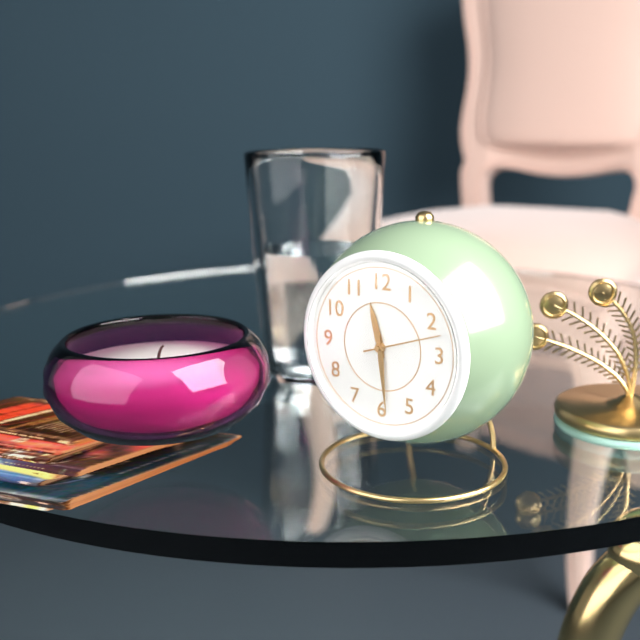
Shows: 11h29m12s
